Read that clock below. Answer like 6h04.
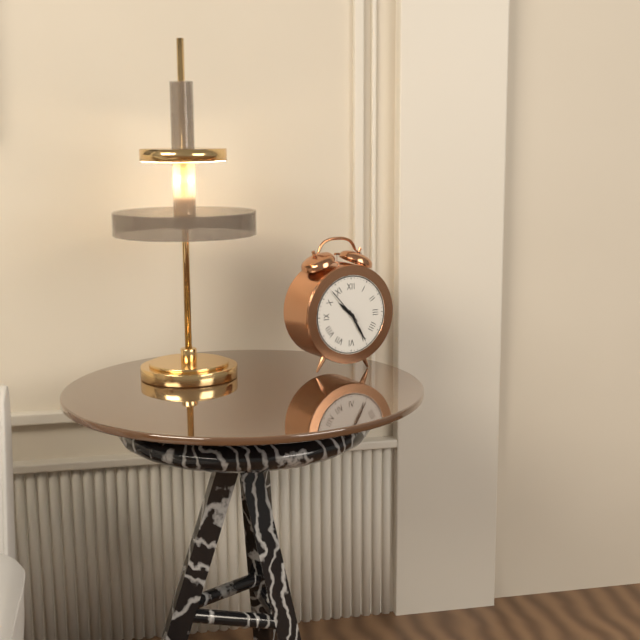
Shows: 10h25
